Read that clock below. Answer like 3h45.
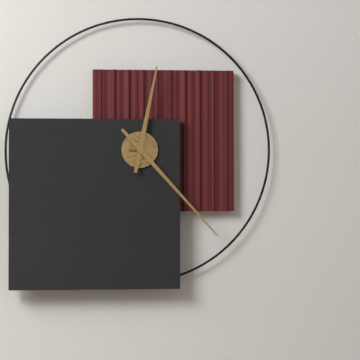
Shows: 12h23
